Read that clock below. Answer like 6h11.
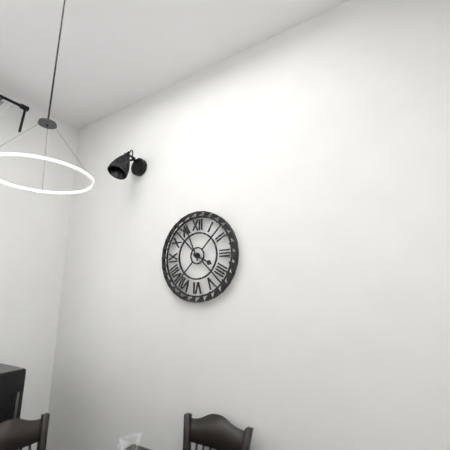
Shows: 3h56
